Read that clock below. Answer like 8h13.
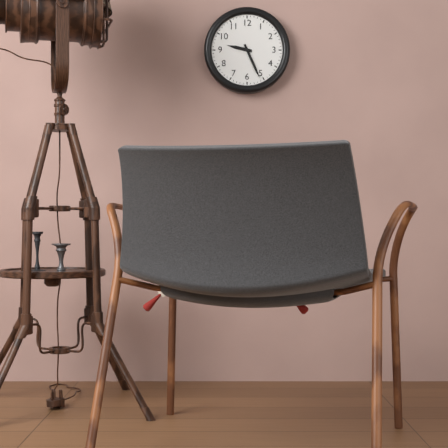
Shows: 9h26
